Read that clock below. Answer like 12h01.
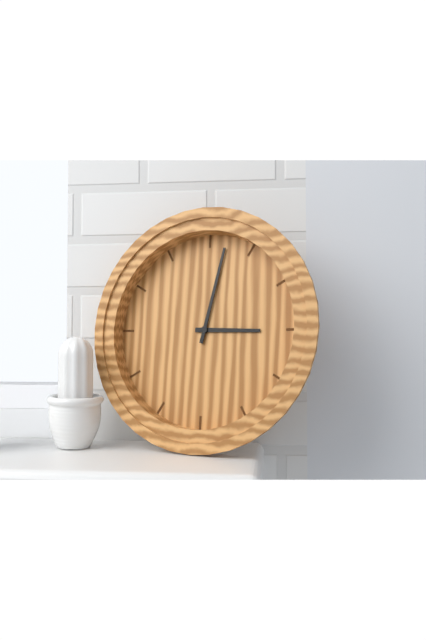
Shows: 3h02
